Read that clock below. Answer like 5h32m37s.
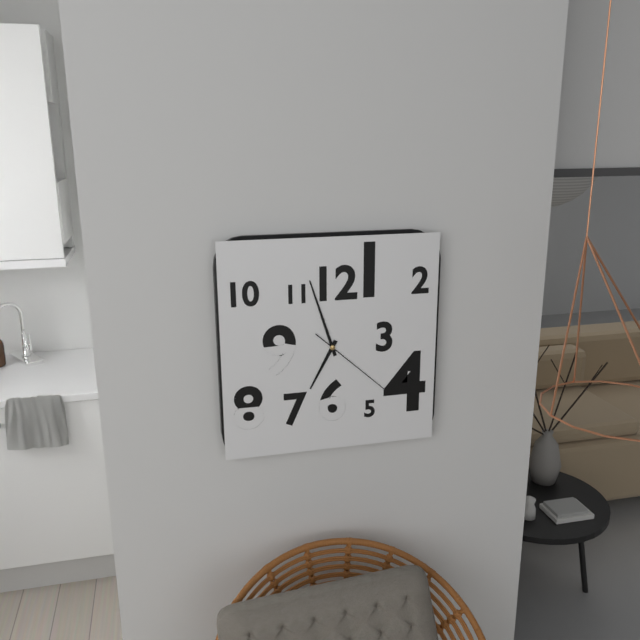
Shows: 6h57m22s
